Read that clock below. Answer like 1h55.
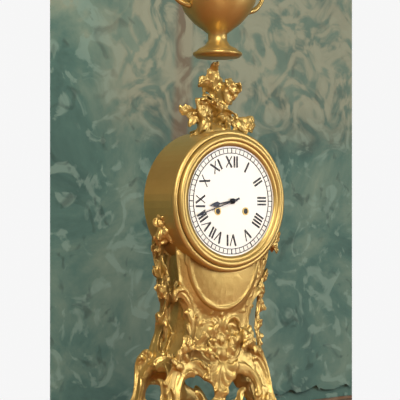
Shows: 8h42
